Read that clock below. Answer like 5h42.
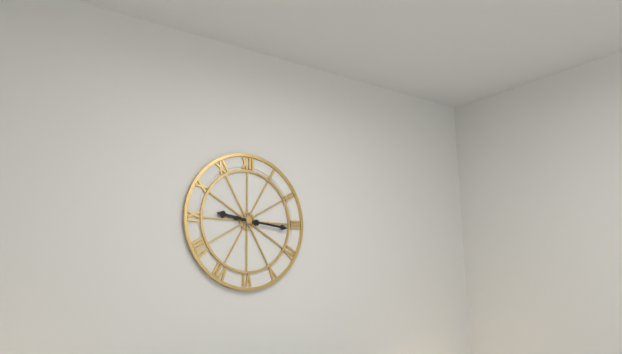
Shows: 9h16
